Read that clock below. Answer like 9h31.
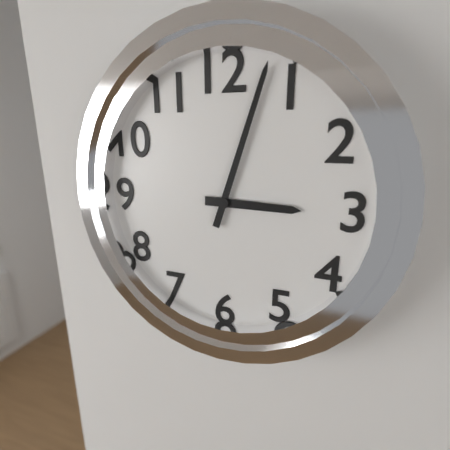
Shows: 3h03
